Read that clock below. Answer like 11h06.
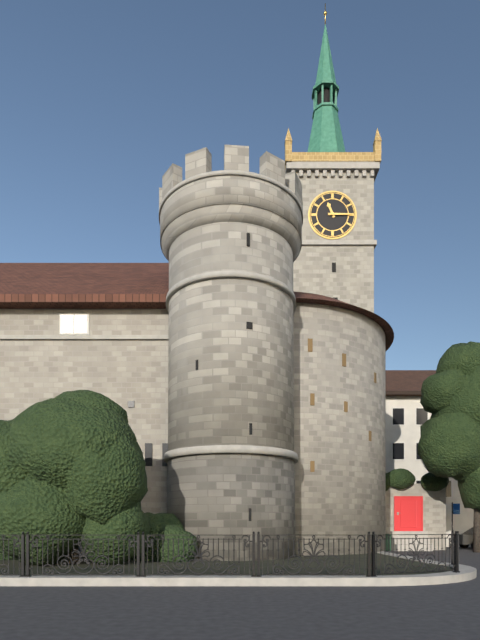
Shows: 11h15
